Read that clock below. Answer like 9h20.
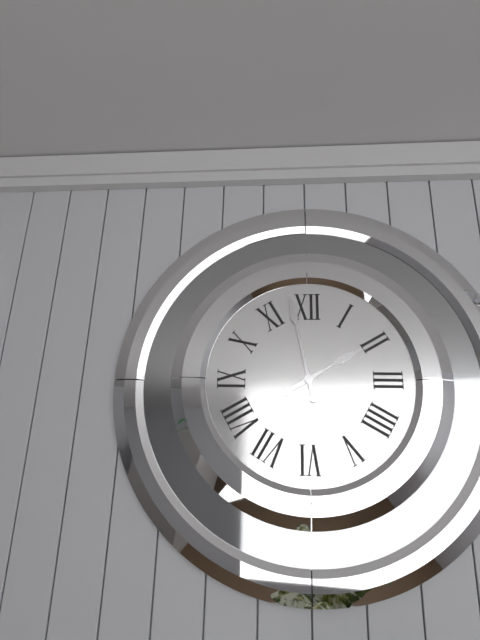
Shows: 1h58
